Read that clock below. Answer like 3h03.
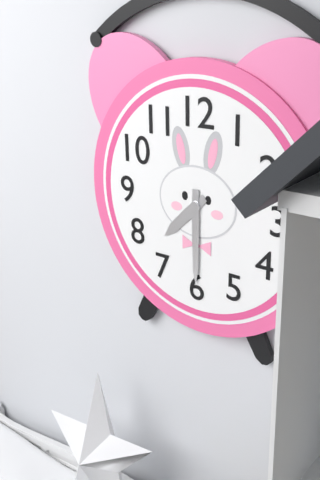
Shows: 7h30
